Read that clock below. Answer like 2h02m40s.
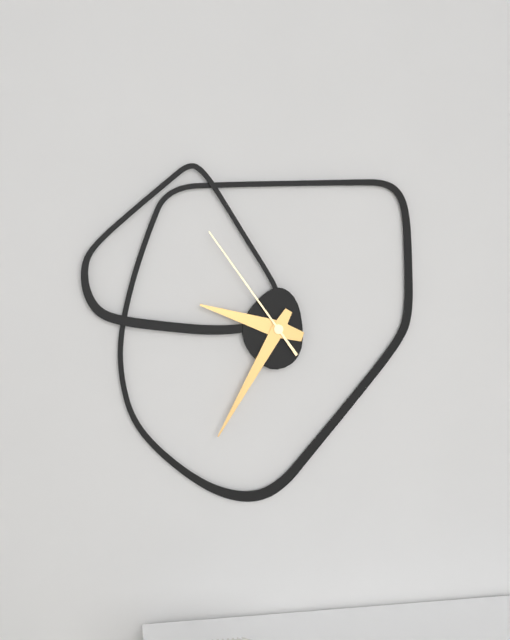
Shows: 9h35m54s
